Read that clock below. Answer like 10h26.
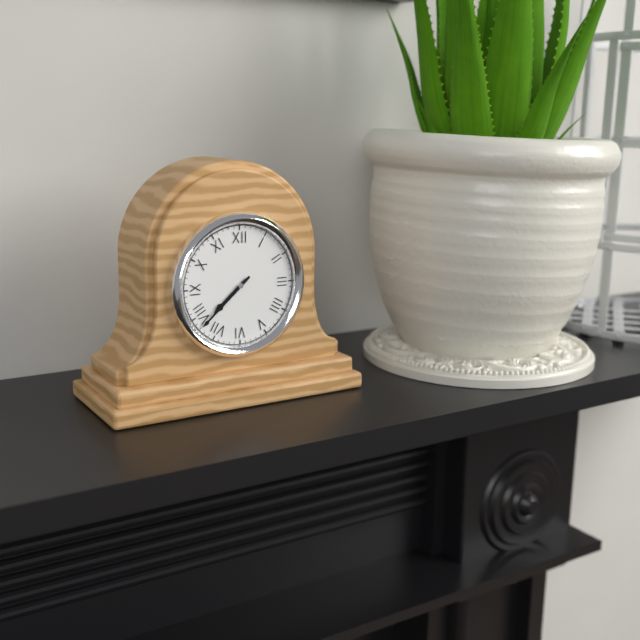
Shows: 7h38
